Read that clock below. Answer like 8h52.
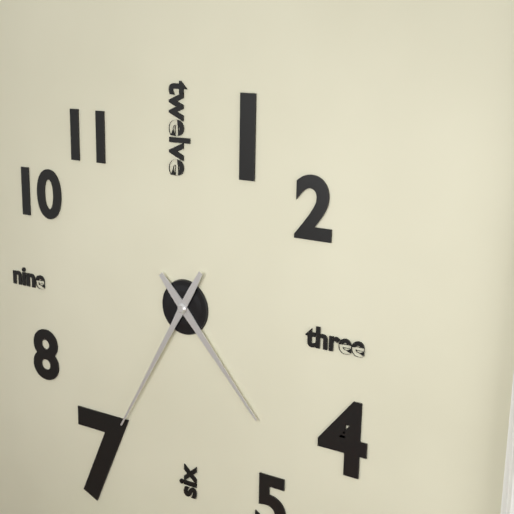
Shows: 4h35
